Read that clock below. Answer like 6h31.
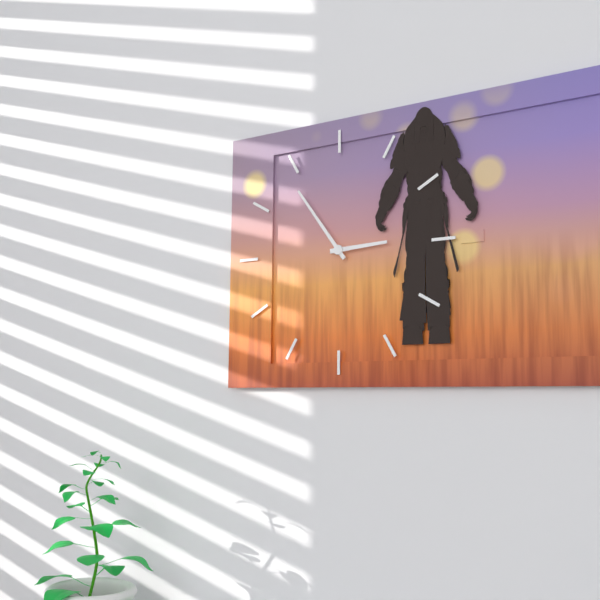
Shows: 2h54
